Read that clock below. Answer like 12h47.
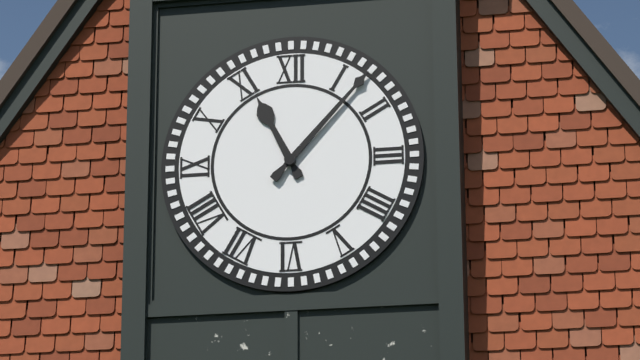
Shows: 11h07
